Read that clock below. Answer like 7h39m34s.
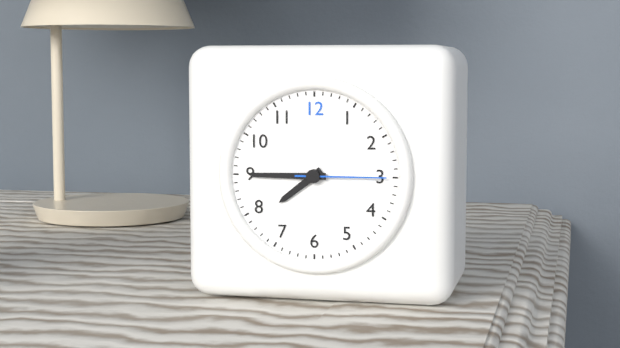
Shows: 7h45m15s
